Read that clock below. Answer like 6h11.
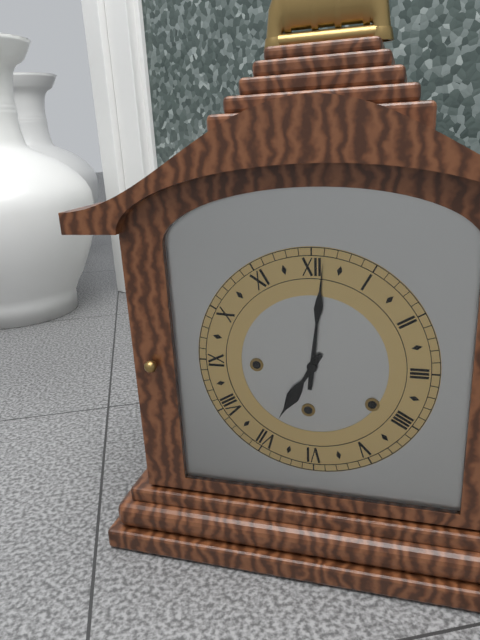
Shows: 7h01
